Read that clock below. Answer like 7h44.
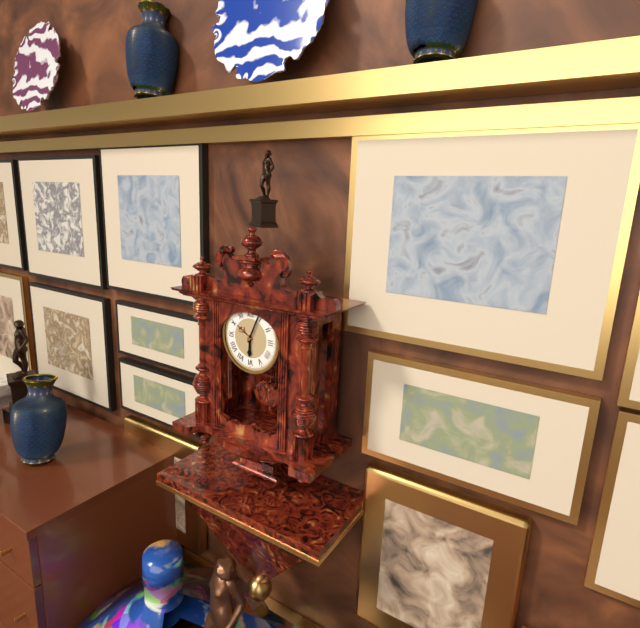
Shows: 6h04
